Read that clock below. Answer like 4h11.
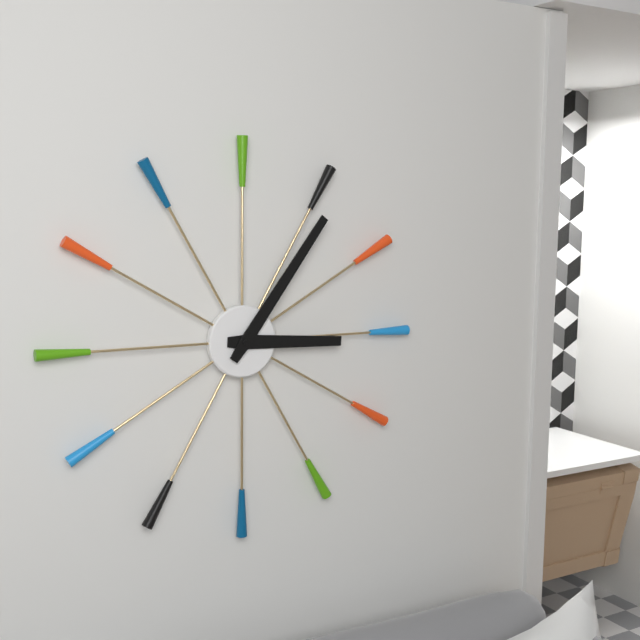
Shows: 3h06
